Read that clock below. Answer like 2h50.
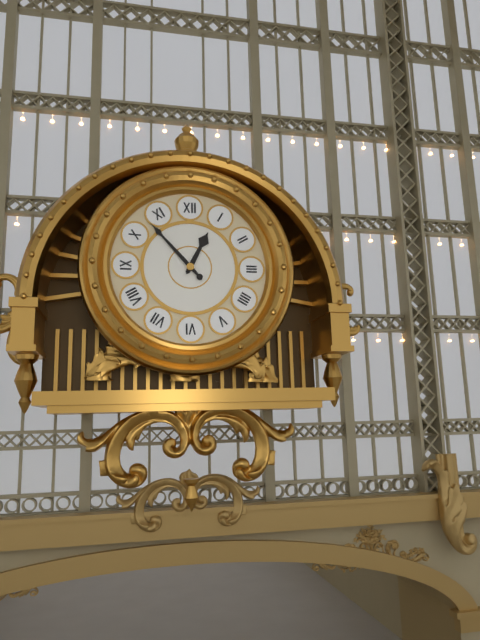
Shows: 12h53
